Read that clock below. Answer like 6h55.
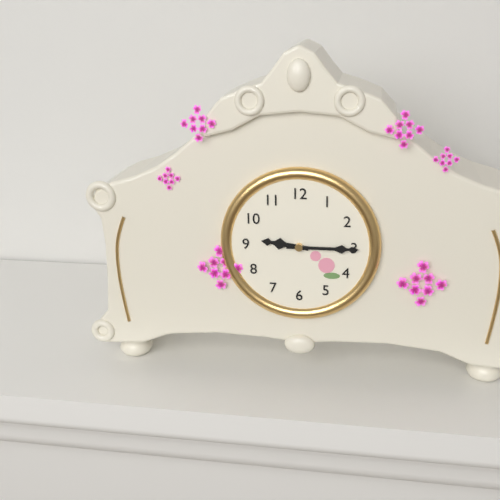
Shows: 9h15
